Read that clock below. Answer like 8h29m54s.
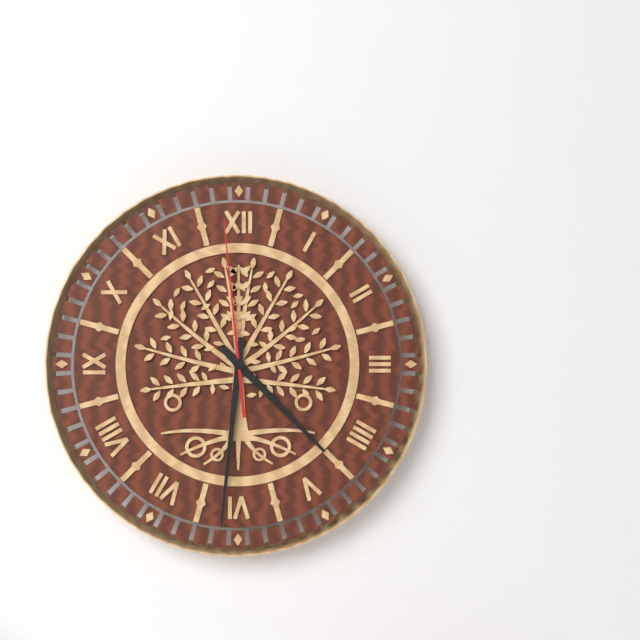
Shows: 4h31m59s
